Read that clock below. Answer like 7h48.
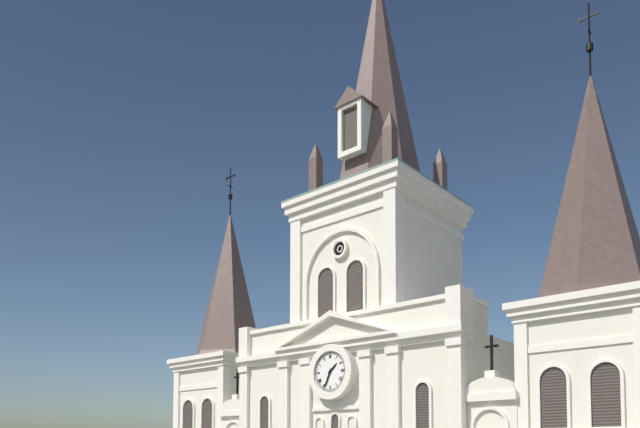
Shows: 1h34
